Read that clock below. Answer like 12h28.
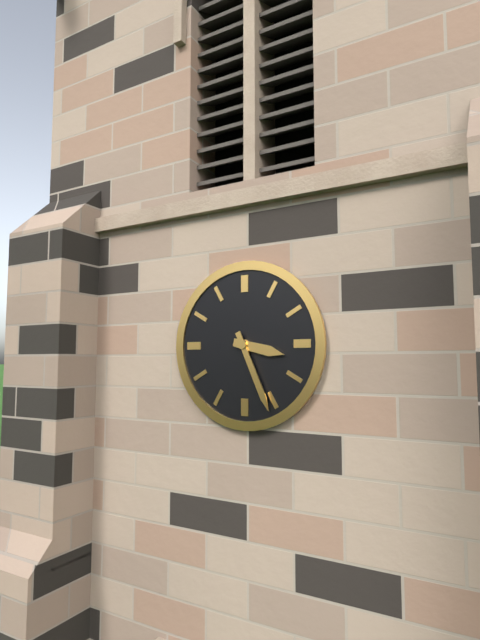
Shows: 3h26
